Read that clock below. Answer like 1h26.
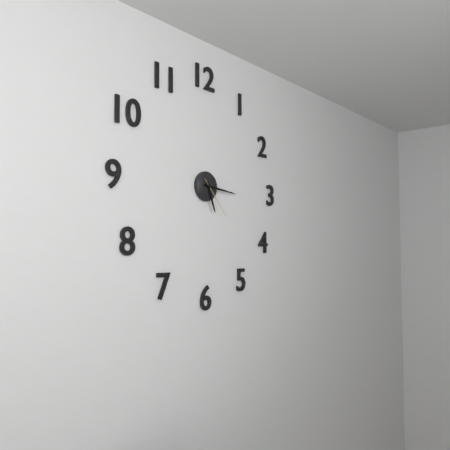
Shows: 5h16
